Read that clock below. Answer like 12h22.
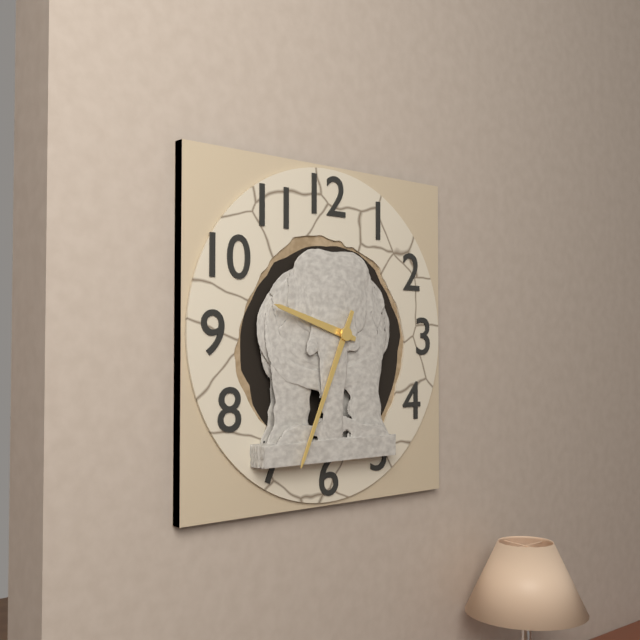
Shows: 9h34
